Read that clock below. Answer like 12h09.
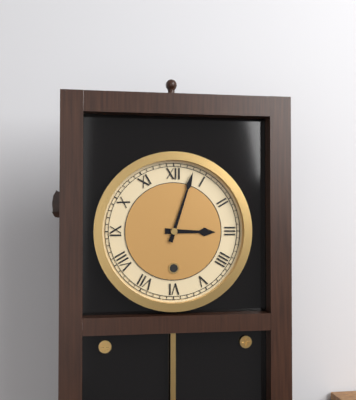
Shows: 3h03
